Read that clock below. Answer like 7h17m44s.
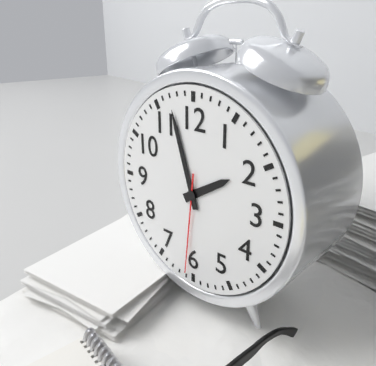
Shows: 1h57m31s
